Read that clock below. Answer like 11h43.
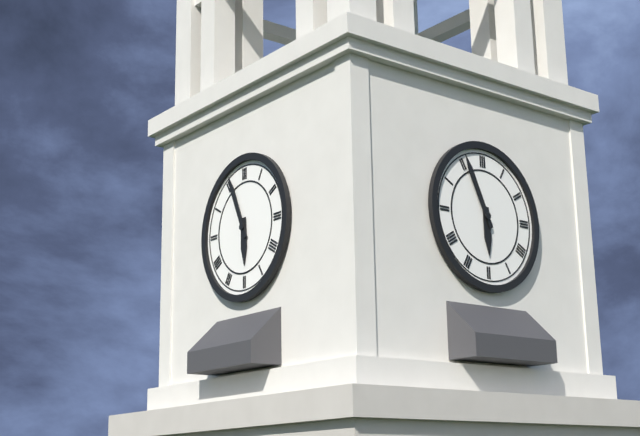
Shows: 5h56
